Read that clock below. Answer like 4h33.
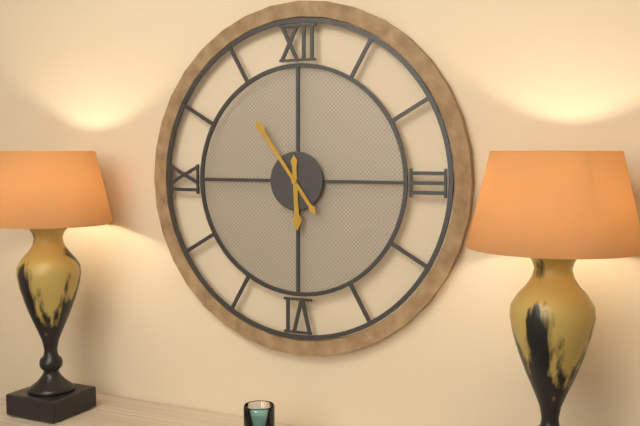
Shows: 5h54
